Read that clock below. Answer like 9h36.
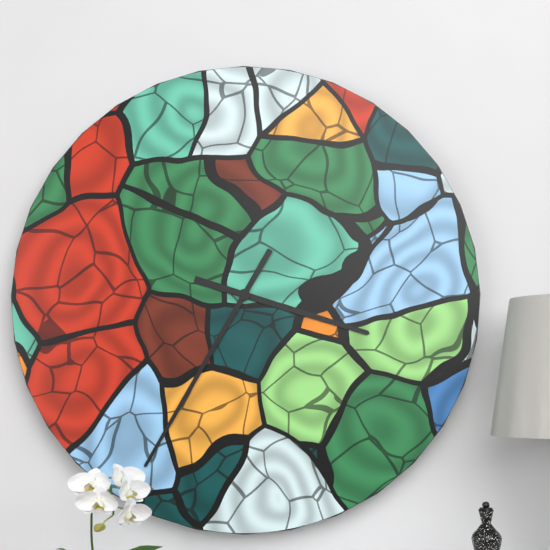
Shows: 3h35
